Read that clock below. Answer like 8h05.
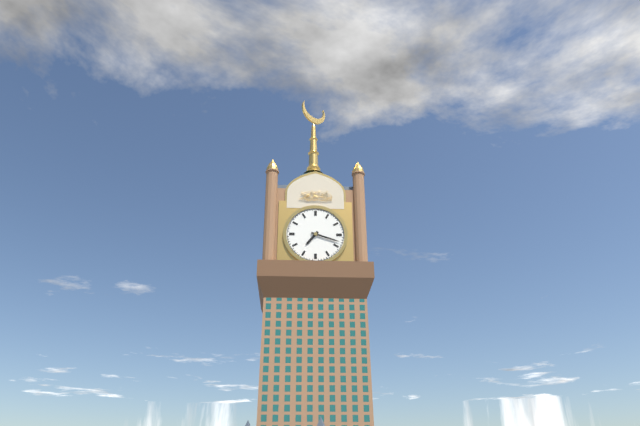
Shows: 7h18
